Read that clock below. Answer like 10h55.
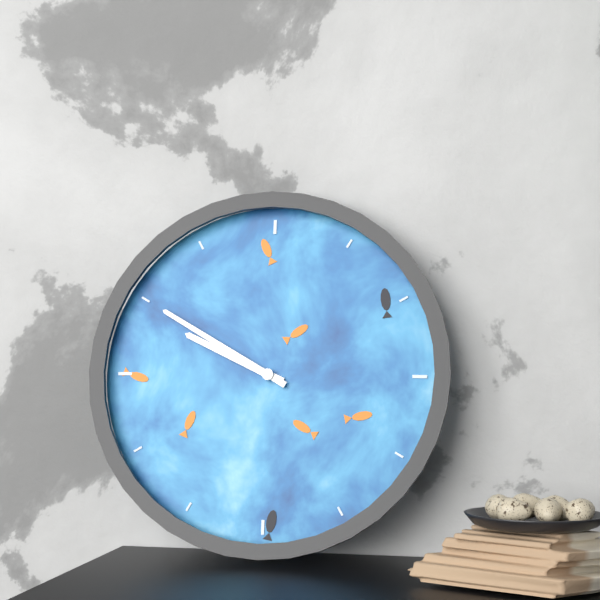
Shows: 9h50
